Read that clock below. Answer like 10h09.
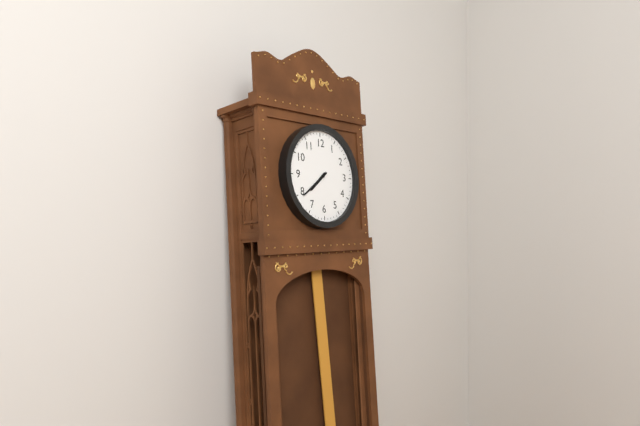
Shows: 7h39
